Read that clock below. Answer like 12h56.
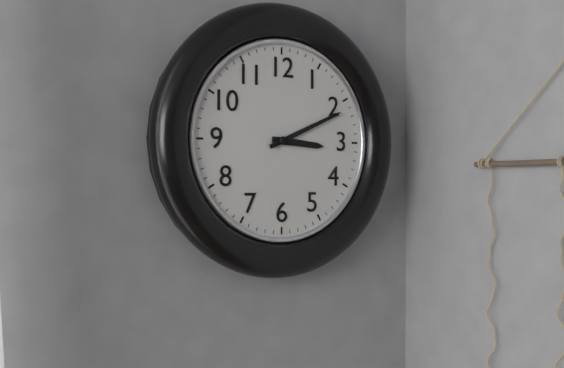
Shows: 3h11
